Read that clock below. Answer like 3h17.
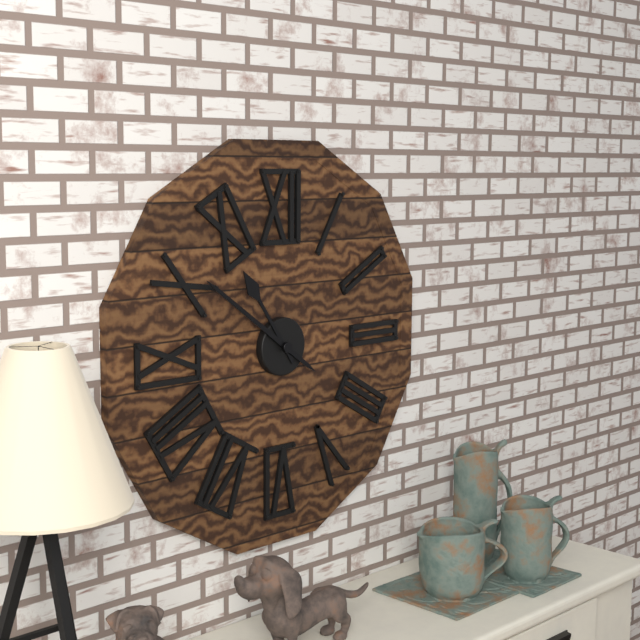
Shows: 10h51
